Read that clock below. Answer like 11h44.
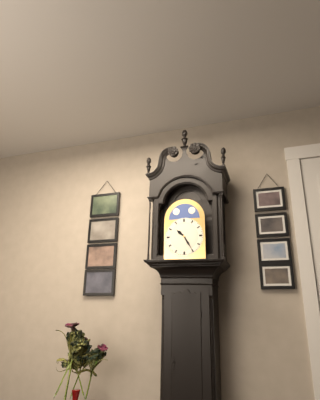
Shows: 10h25
